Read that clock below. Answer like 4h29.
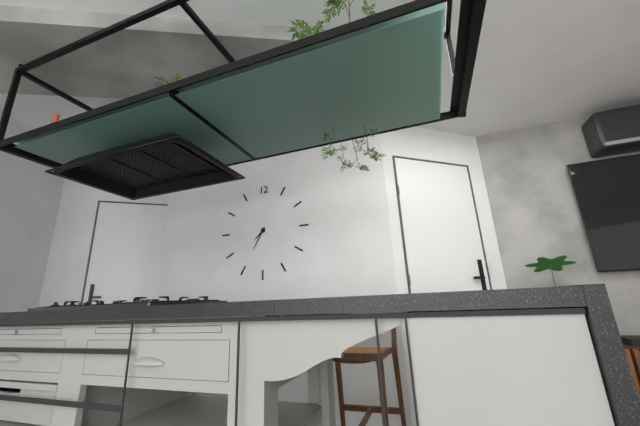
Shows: 7h35
